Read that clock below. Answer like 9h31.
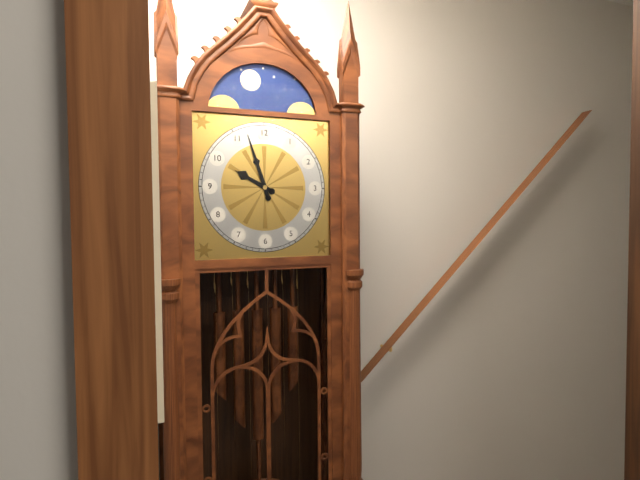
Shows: 9h57
